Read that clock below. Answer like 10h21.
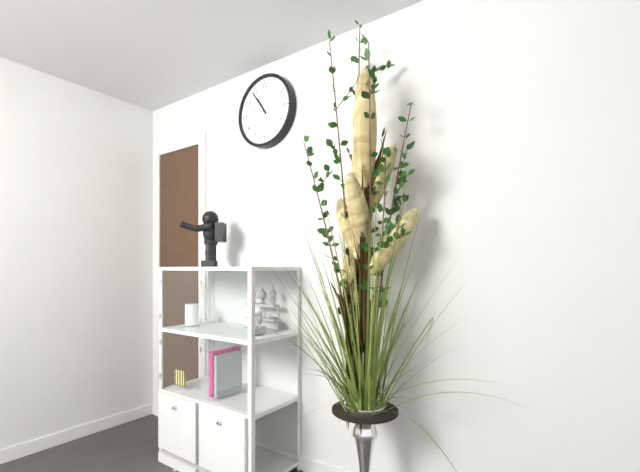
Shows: 10h54
